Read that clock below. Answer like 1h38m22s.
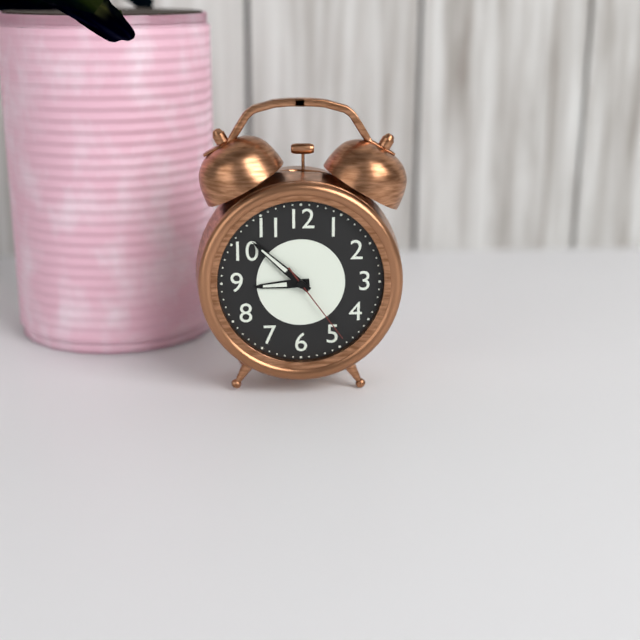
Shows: 8h52m24s
